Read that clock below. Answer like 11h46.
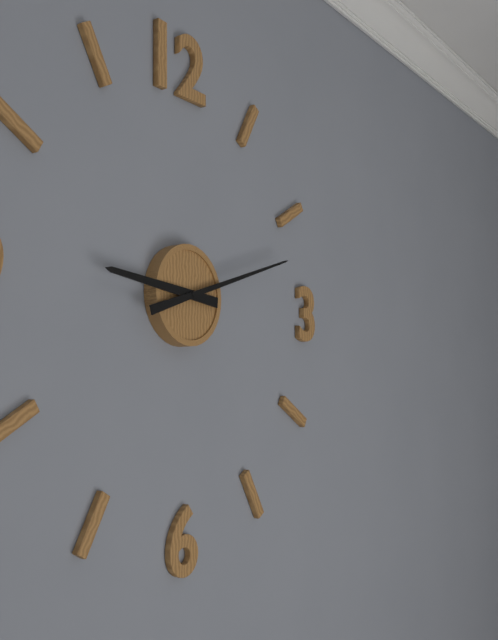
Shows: 9h12
